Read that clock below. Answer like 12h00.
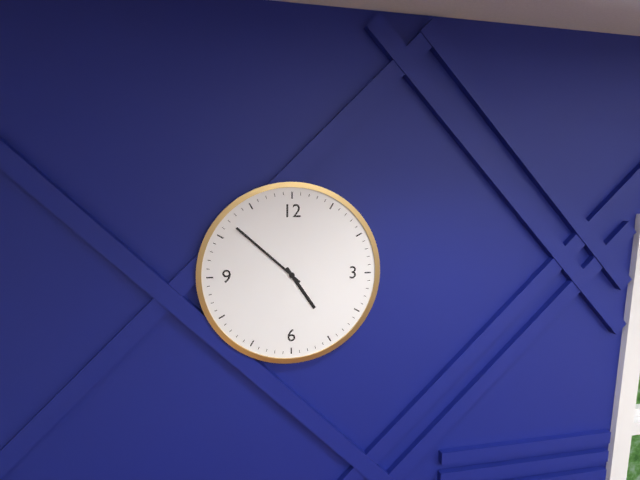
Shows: 4h52
